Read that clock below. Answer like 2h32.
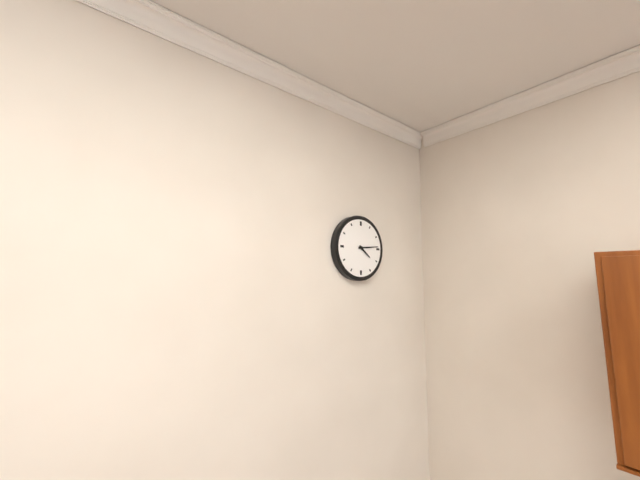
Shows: 4h14
